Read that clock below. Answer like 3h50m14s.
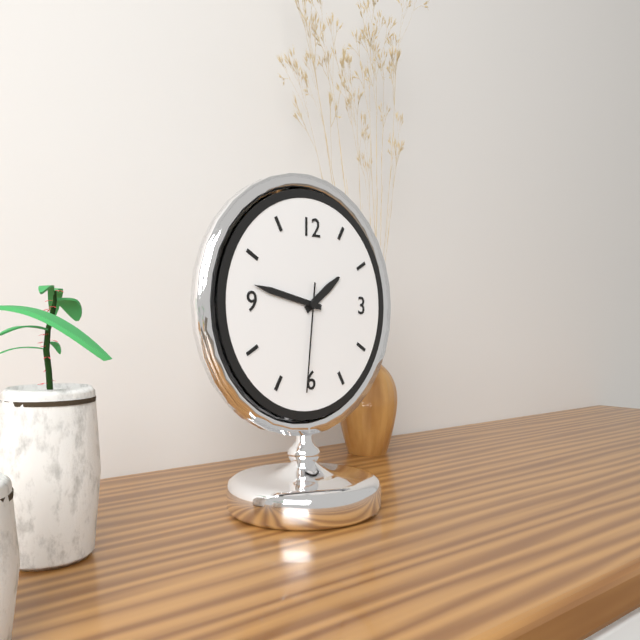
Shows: 1h47m31s
